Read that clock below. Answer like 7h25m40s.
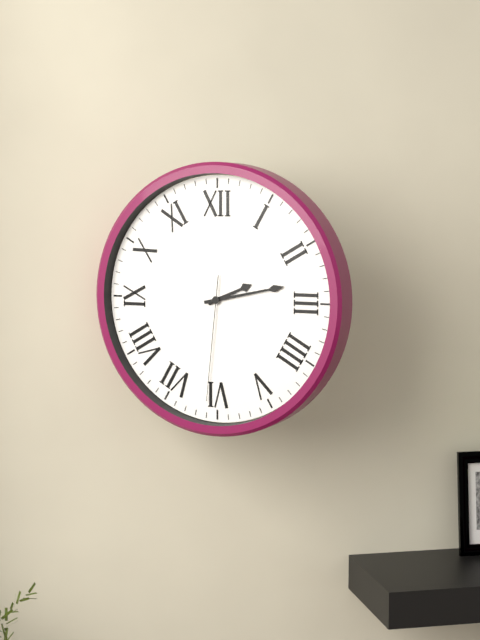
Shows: 2h13m31s
